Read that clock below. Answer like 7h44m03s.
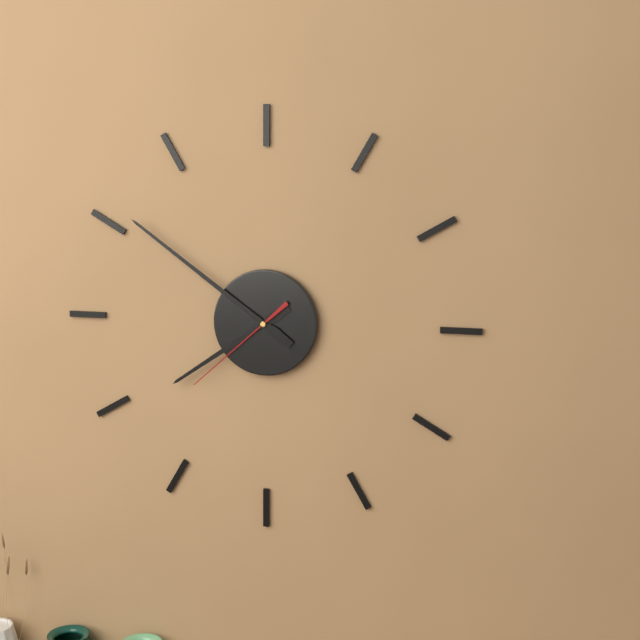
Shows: 7h51m38s
